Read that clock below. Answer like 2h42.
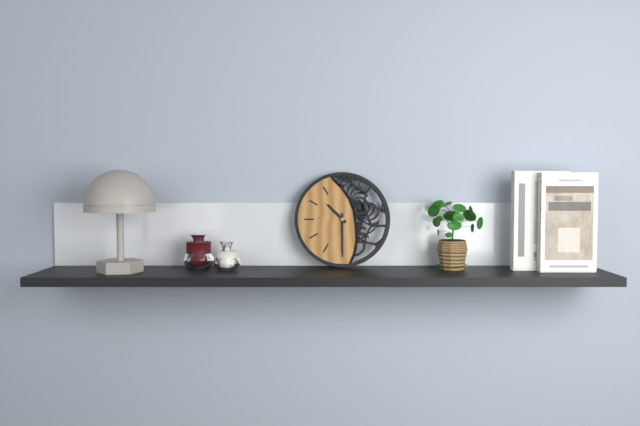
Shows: 10h30
